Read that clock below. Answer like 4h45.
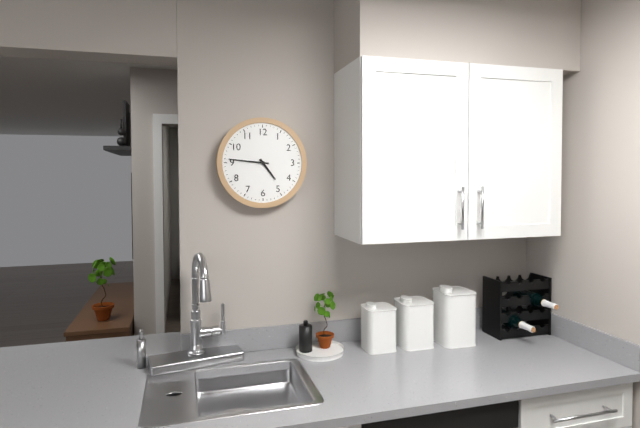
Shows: 4h46
